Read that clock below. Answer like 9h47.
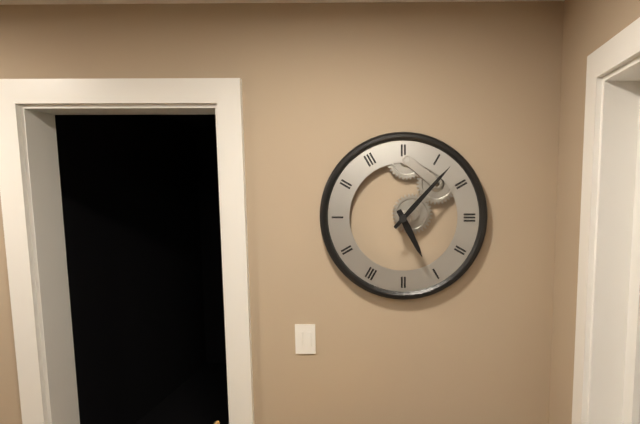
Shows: 5h07
